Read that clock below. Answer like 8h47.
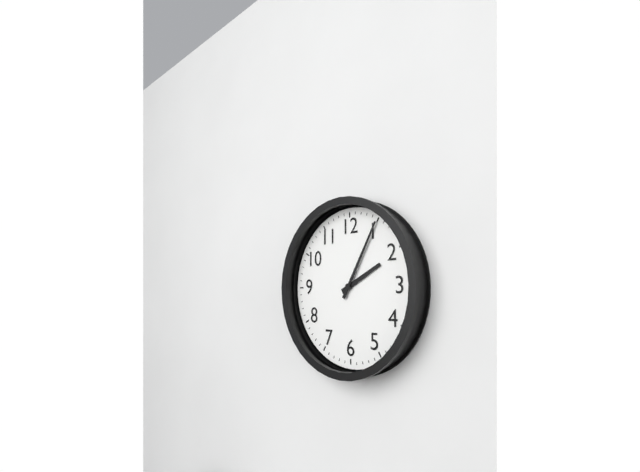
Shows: 2h05
